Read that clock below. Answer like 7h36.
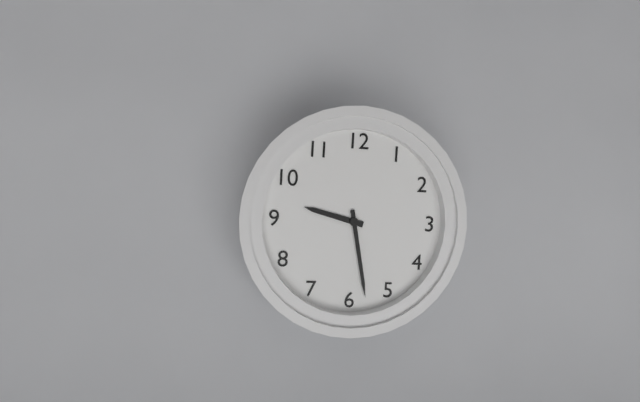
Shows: 9h28
